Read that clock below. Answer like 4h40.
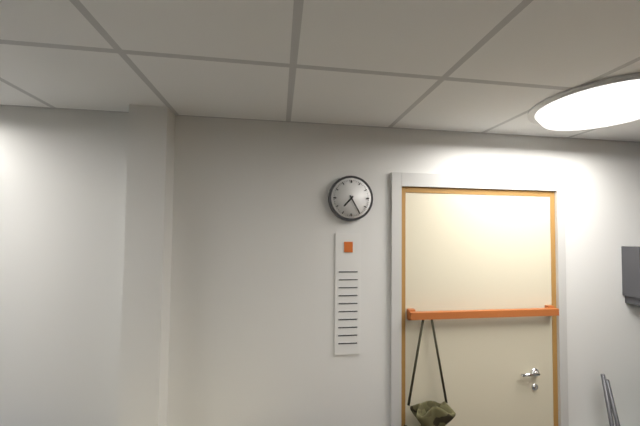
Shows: 7h25
